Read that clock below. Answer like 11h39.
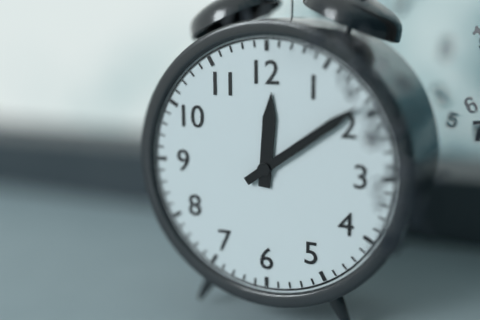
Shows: 12h09
